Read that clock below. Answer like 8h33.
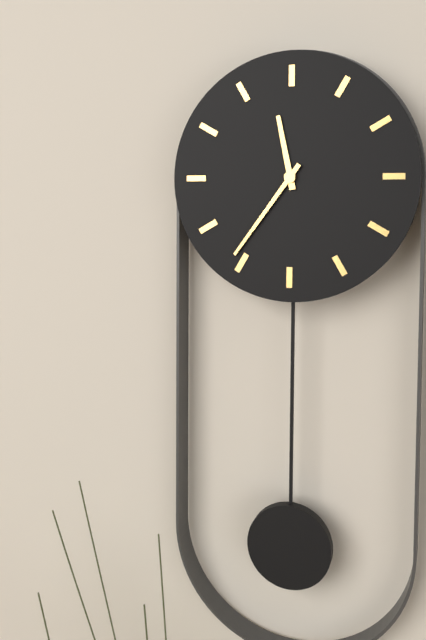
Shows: 11h36
